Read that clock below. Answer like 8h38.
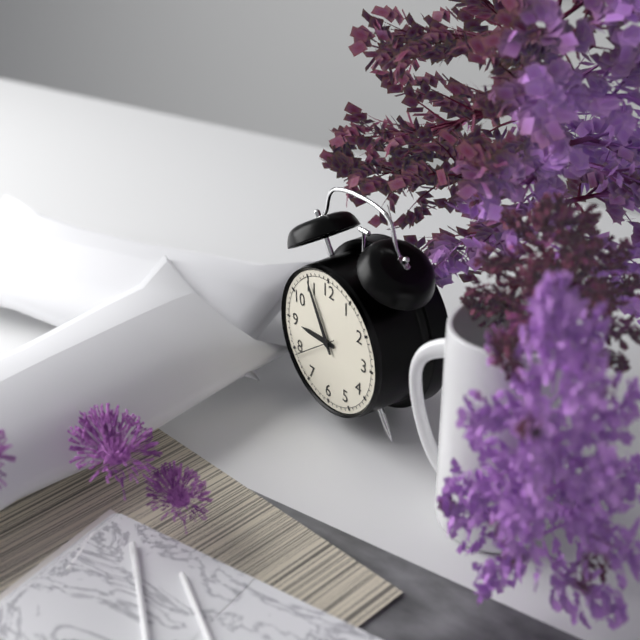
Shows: 8h55
